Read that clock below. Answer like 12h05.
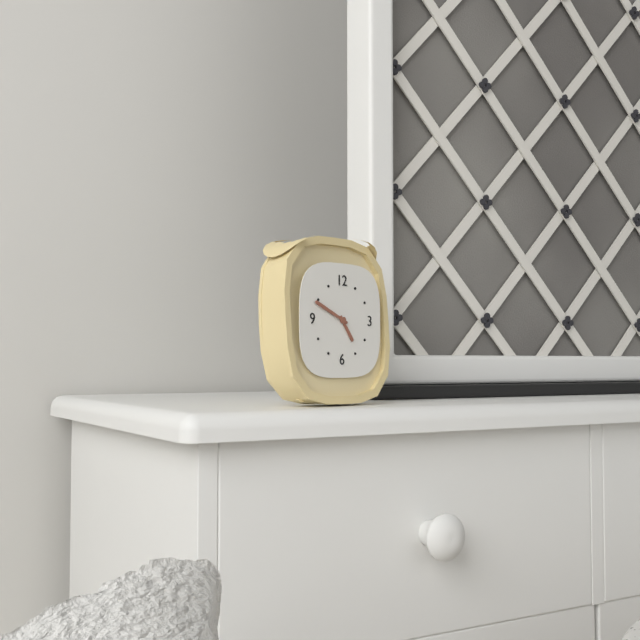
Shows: 4h49
